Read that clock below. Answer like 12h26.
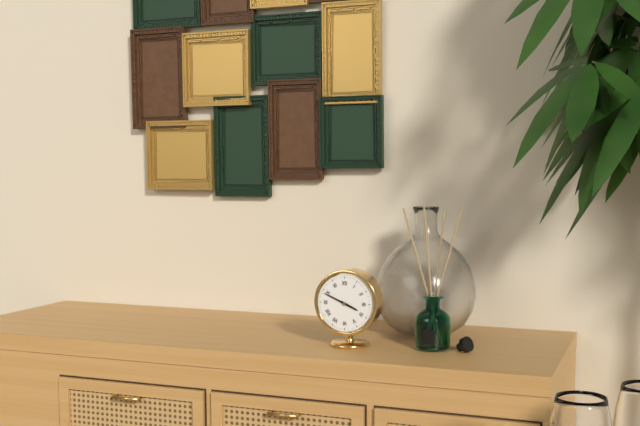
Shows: 3h49
